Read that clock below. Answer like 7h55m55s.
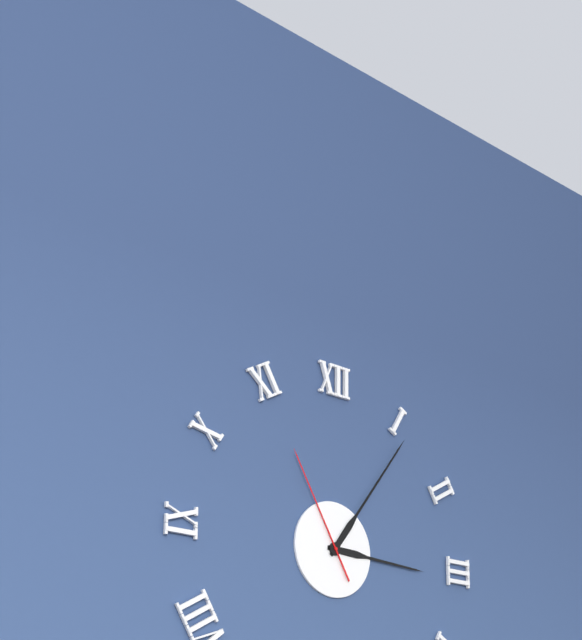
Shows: 3h06m55s
